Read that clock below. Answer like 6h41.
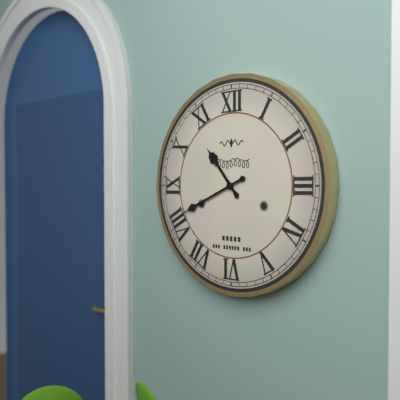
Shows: 10h41
